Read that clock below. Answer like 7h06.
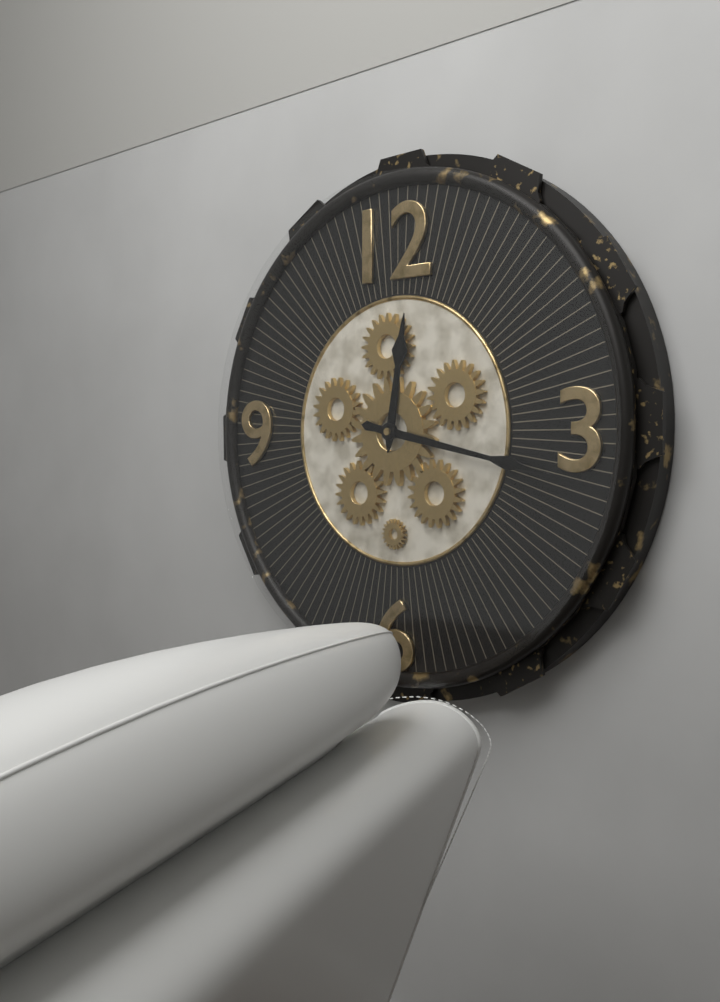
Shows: 12h17
